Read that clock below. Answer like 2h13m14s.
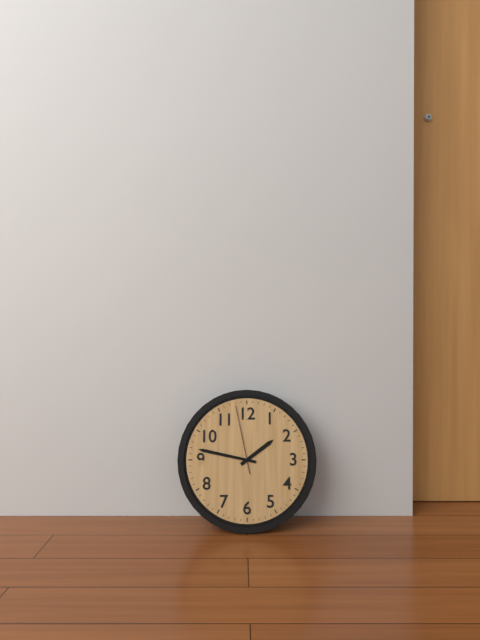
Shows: 1h47m58s
